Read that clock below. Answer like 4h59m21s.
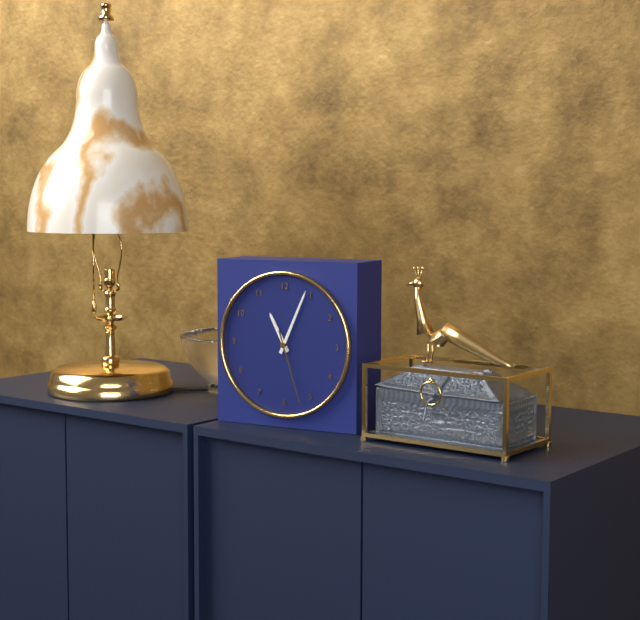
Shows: 11h04m27s
